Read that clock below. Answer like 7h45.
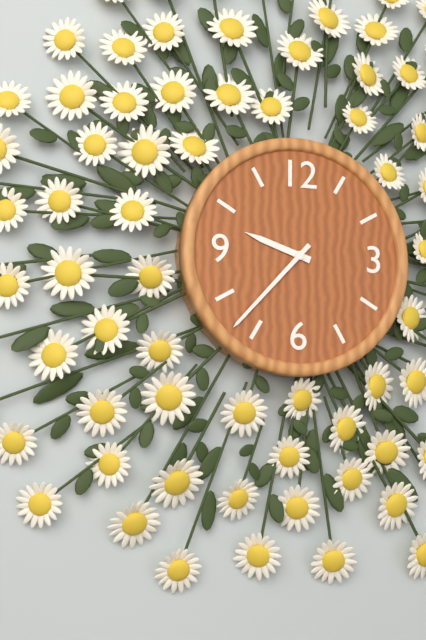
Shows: 9h37
